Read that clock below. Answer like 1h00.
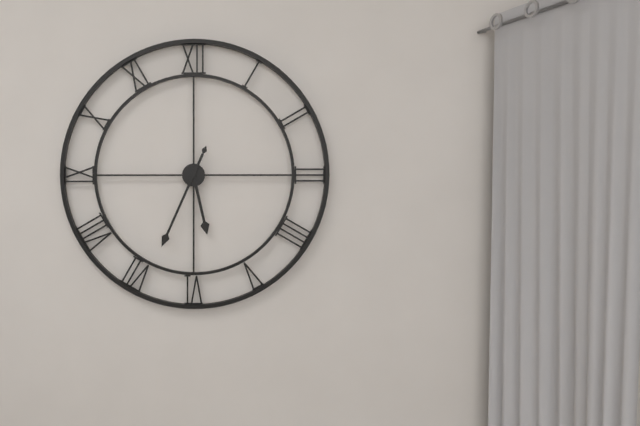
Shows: 5h34
